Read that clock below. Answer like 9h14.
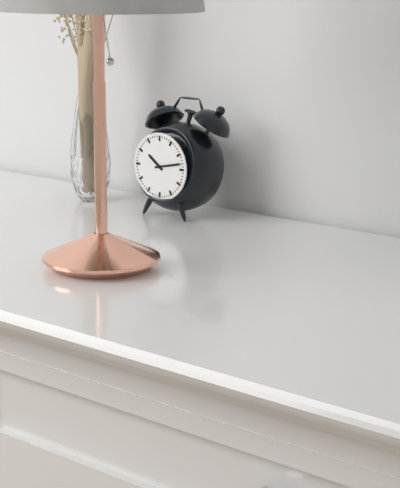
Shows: 10h13
